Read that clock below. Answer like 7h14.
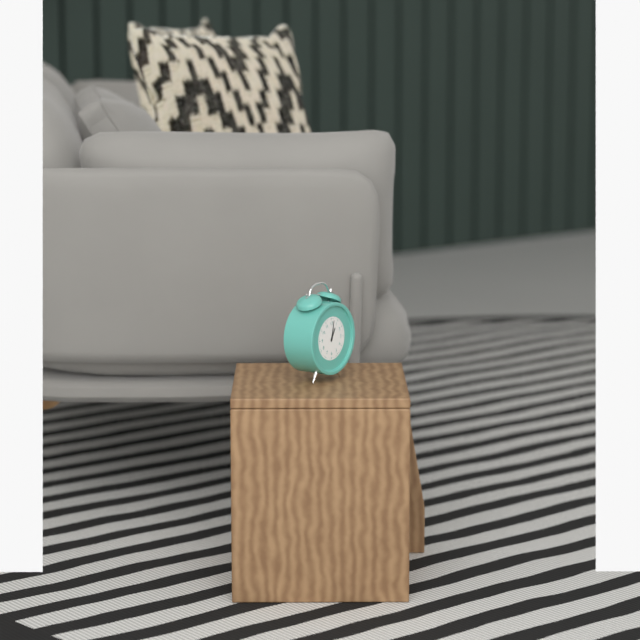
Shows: 1h02
